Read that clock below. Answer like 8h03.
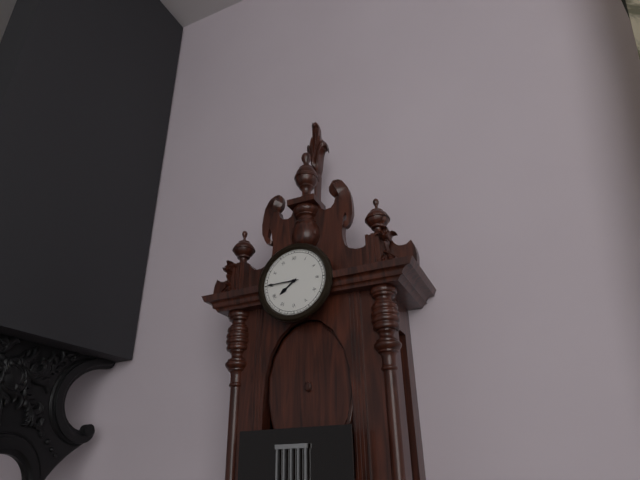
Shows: 7h45
